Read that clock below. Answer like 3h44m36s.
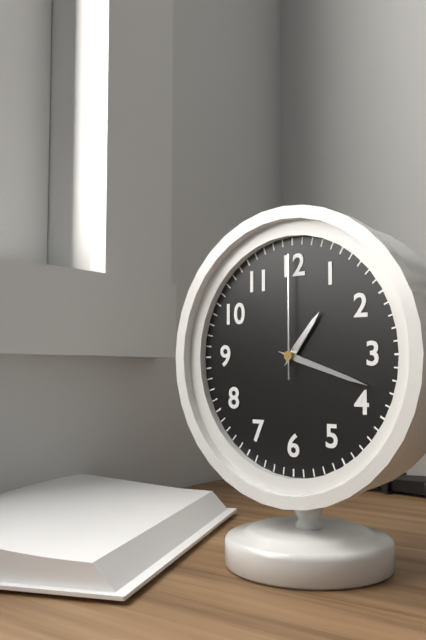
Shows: 1h18m00s
